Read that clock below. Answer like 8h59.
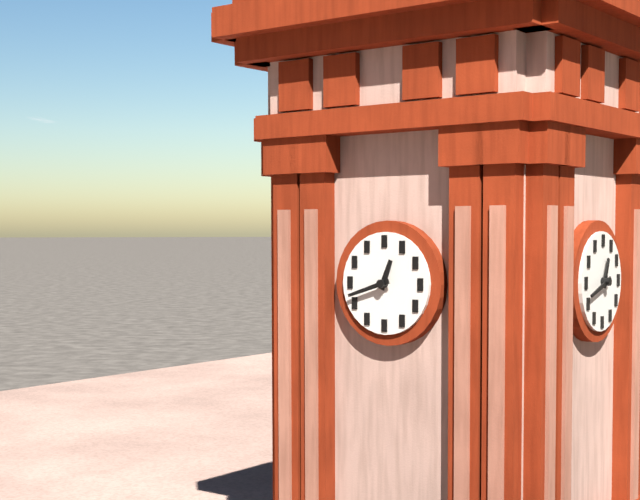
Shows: 12h42
